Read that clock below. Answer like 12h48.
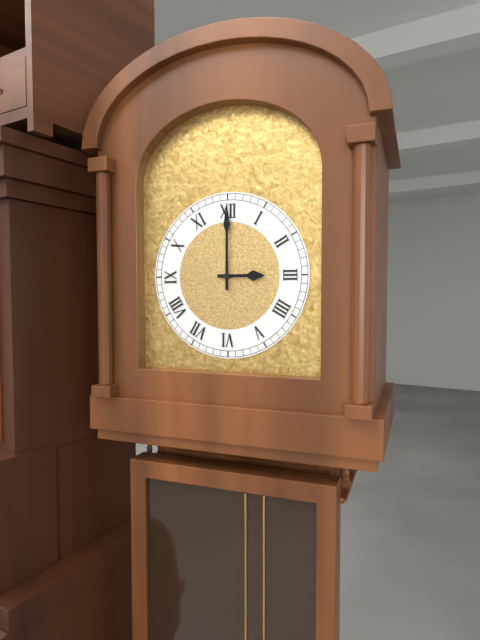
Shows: 3h00
